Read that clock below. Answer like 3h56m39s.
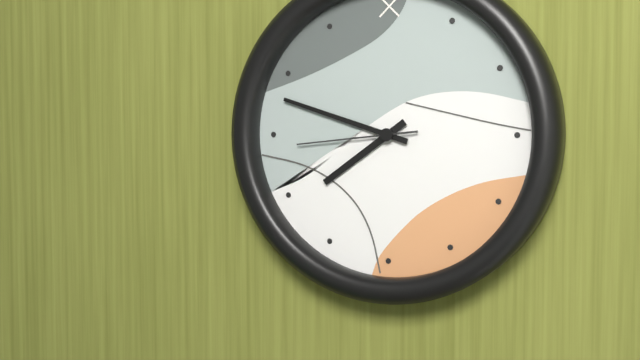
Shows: 7h48m44s
